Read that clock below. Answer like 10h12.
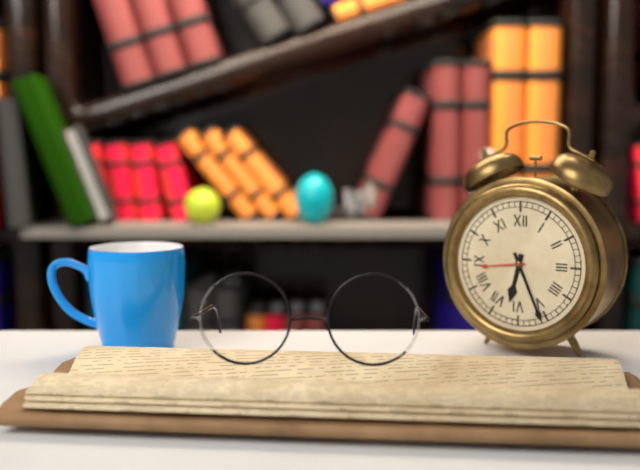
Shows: 6h26
